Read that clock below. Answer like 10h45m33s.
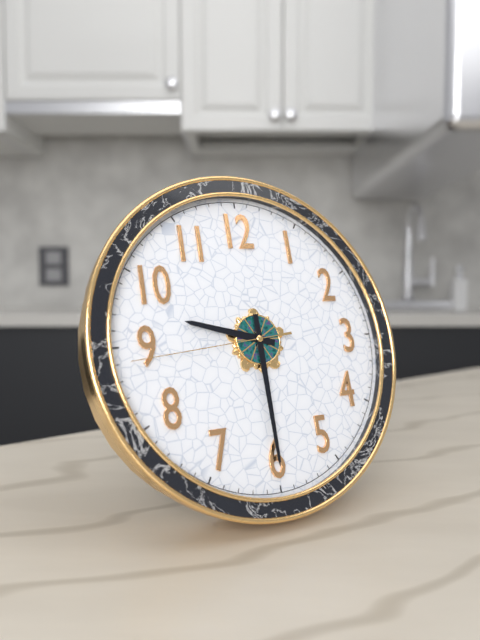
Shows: 9h30m44s
